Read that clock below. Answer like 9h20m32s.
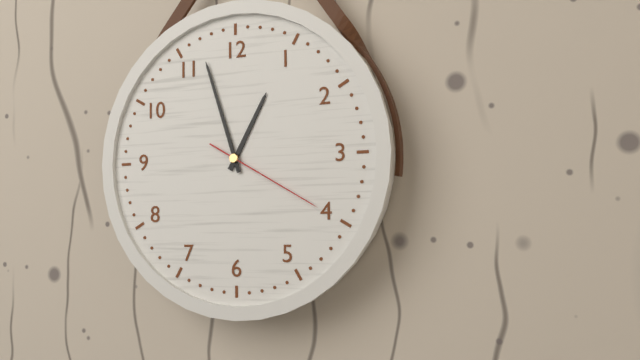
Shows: 12h57m20s
